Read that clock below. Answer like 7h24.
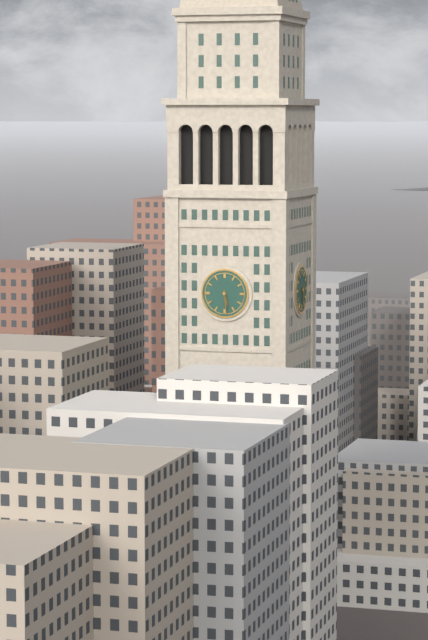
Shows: 5h29
